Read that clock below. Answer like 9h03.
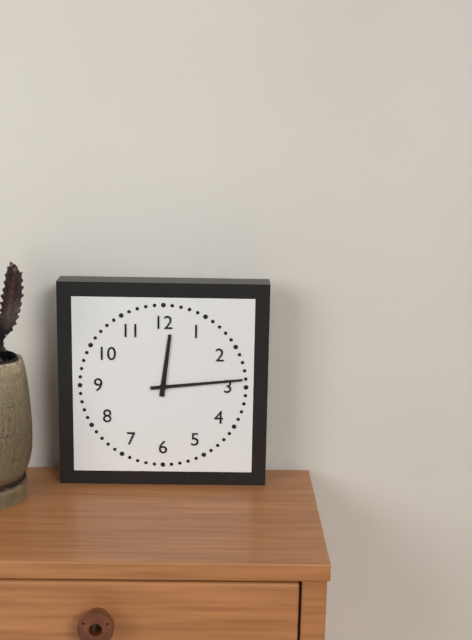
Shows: 12h14
